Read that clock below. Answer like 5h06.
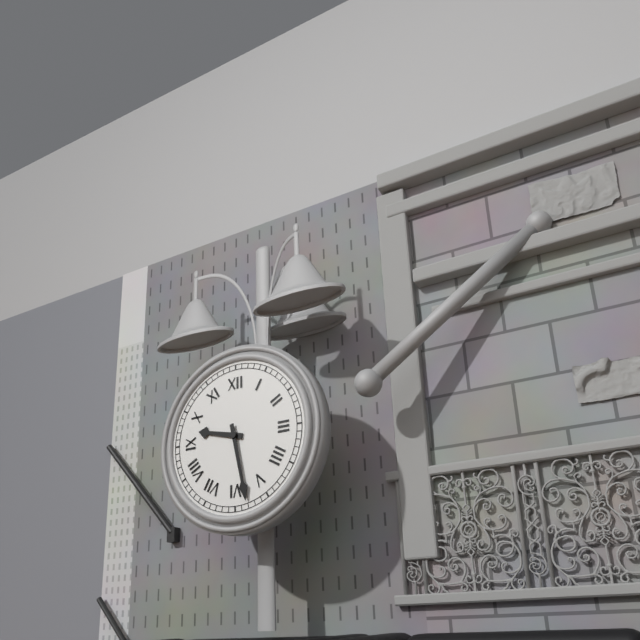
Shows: 9h28
